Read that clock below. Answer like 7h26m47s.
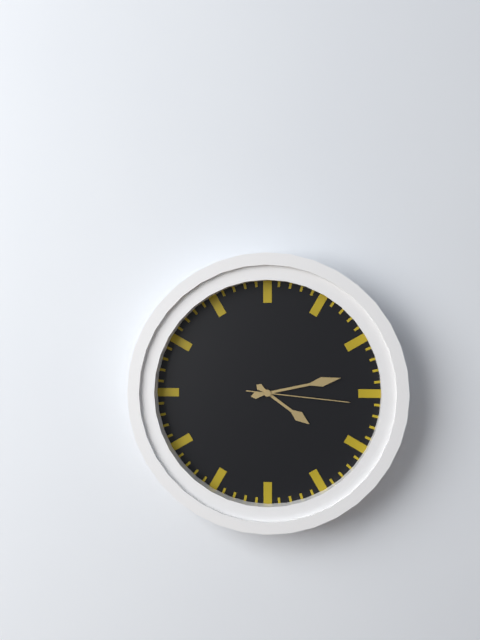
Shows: 4h13m16s
